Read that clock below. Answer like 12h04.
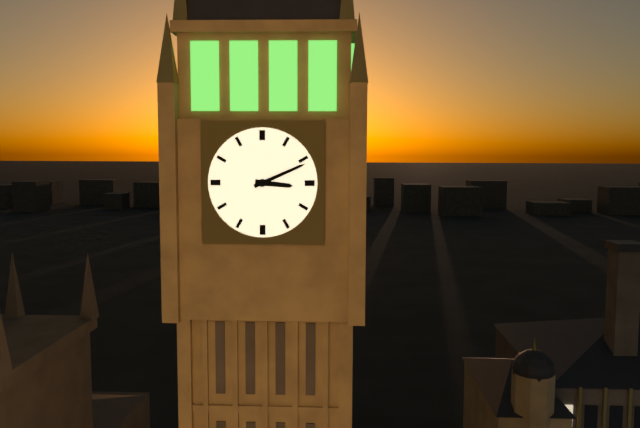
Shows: 3h11
